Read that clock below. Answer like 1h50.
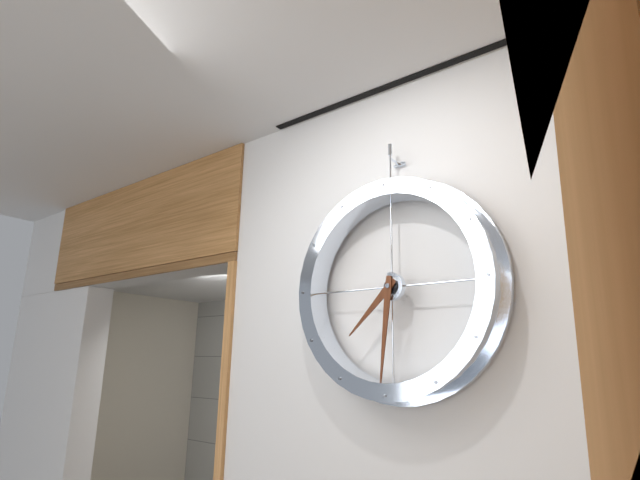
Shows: 7h31
